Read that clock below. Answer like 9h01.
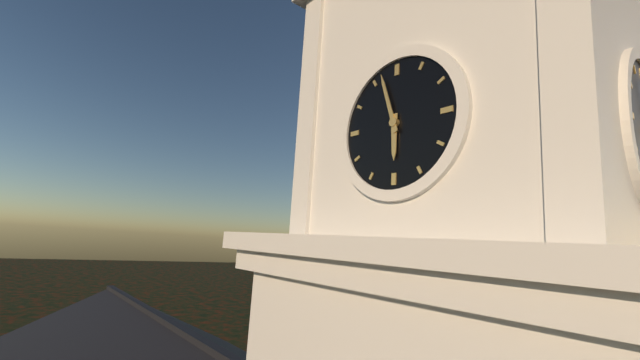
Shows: 5h57
